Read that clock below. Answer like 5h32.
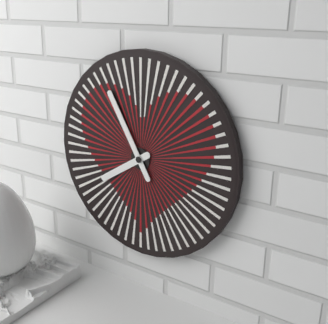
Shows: 7h55
